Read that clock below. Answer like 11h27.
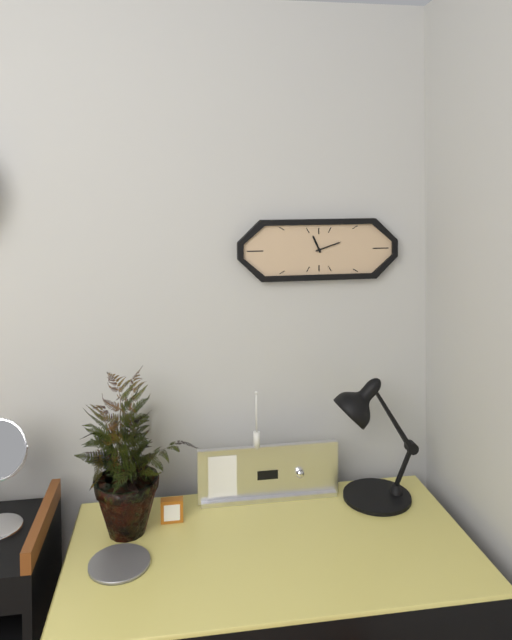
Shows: 11h12
